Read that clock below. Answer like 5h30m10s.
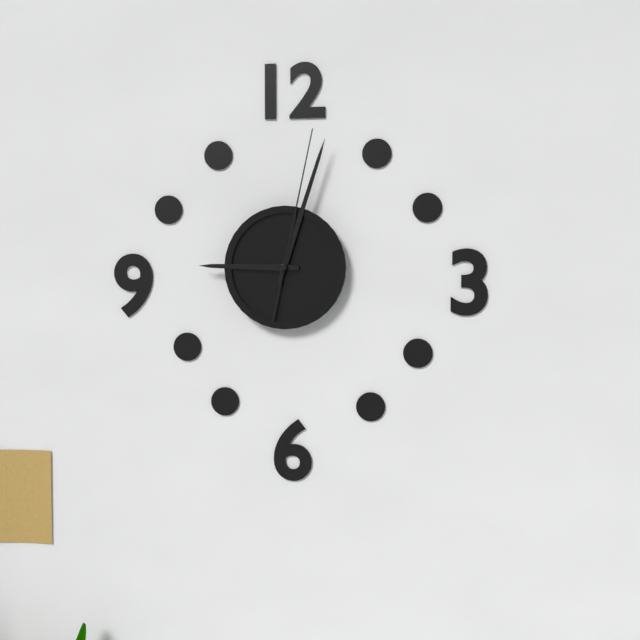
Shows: 9h03m02s
